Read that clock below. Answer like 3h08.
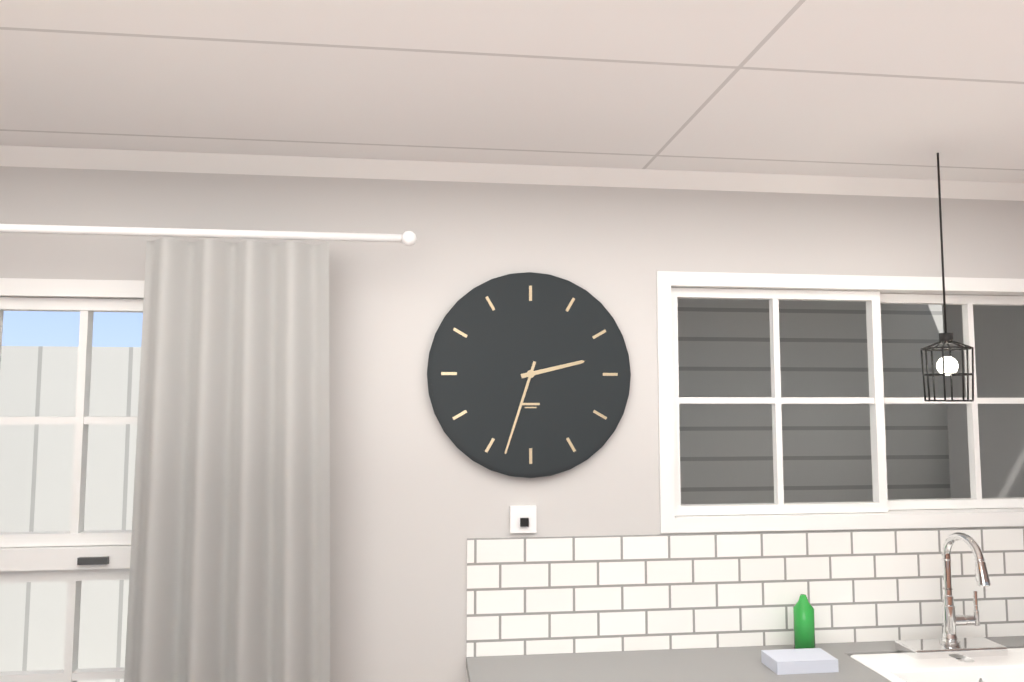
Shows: 2h33
